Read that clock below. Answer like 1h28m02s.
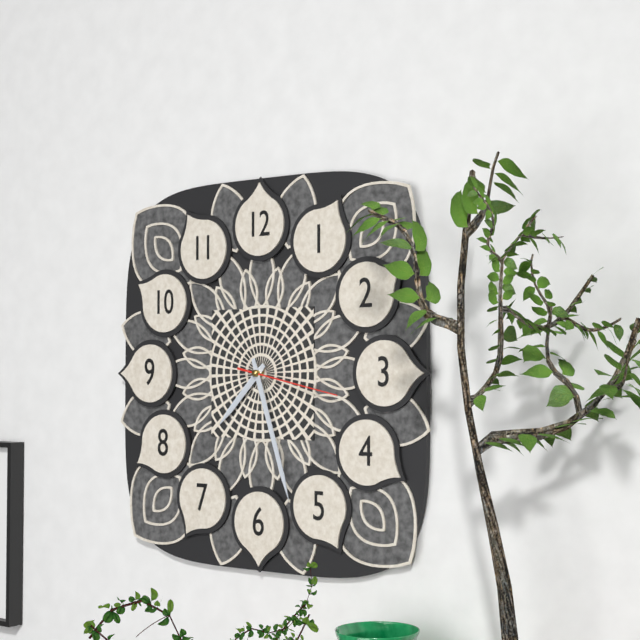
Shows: 7h27m17s
